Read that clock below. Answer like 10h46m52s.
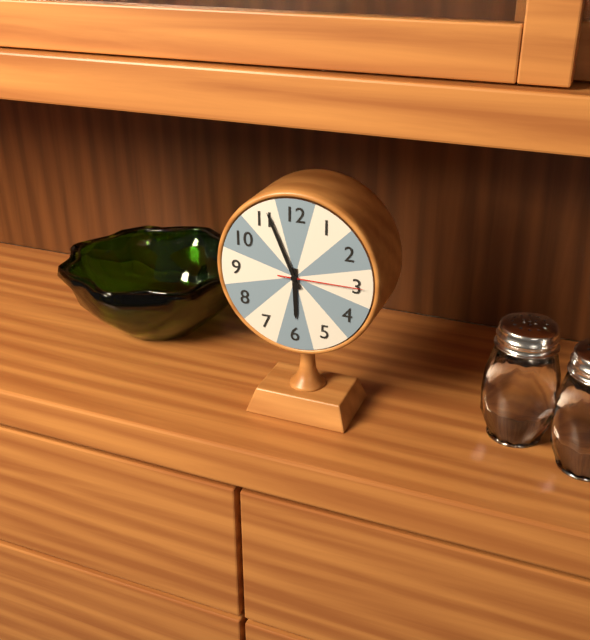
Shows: 5h56m15s
